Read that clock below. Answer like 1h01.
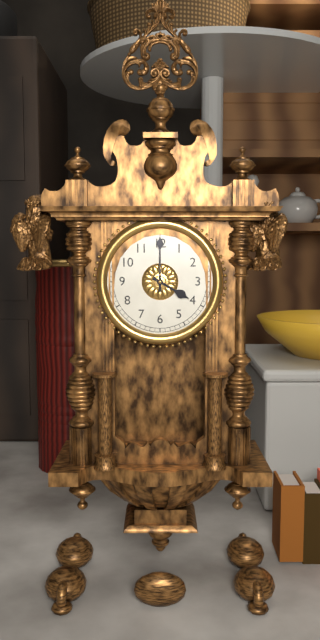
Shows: 4h00
